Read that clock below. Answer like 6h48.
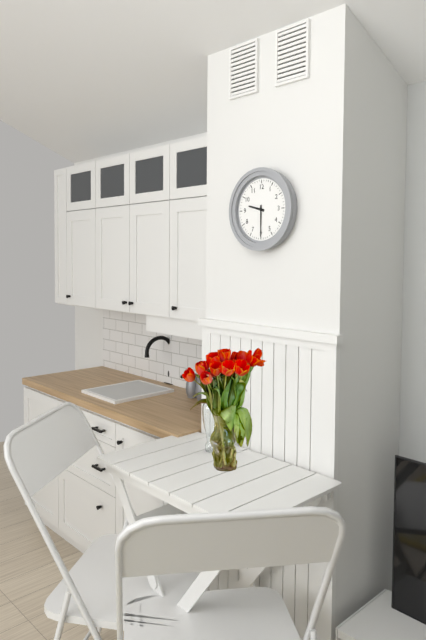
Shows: 9h30
